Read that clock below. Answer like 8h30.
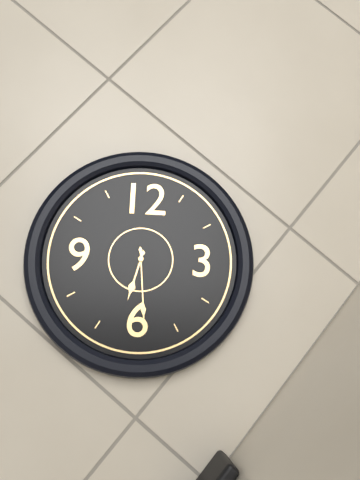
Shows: 6h29
